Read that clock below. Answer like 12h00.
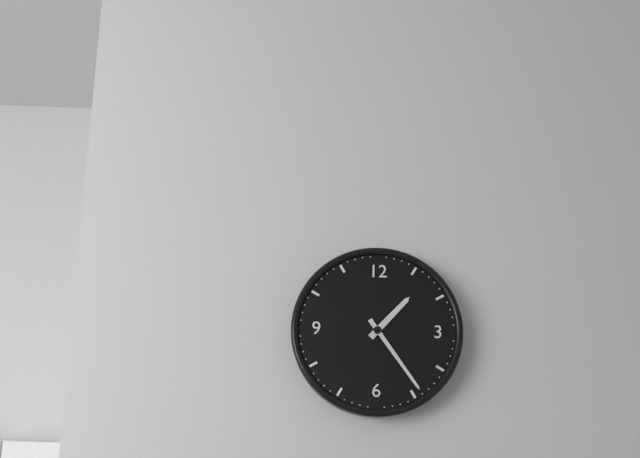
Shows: 1h24
